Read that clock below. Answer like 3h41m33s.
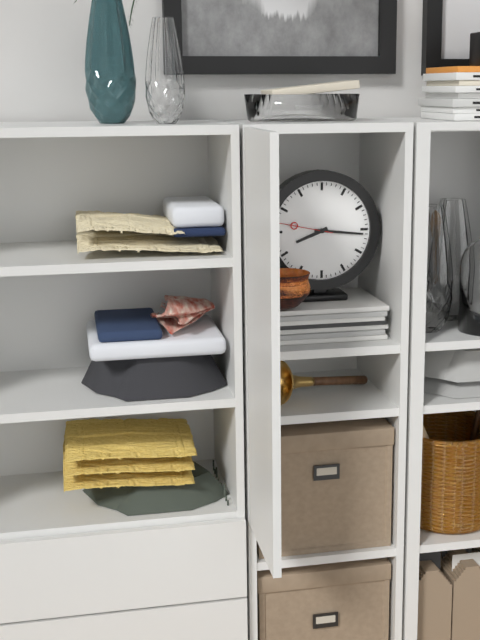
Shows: 8h16m47s
